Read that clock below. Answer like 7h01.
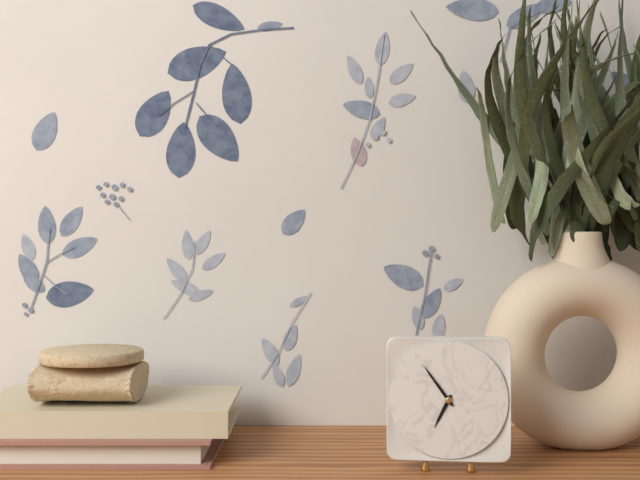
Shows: 6h54
